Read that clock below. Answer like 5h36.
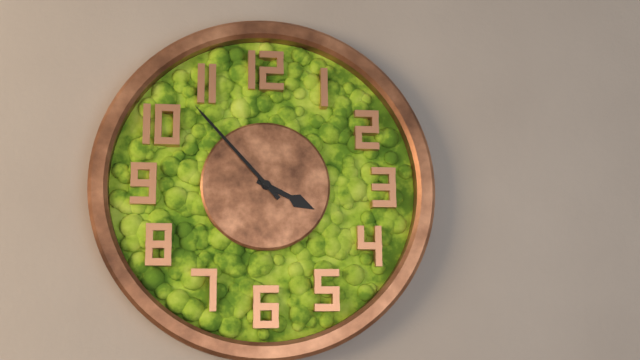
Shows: 3h53
